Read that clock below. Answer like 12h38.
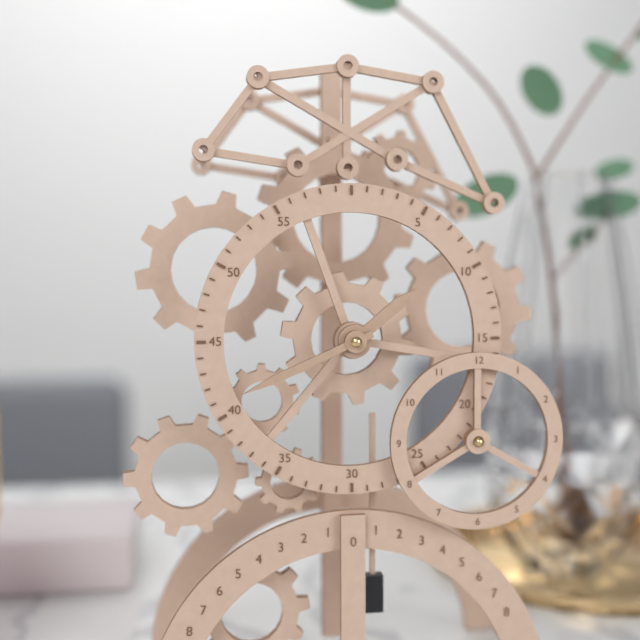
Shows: 1h41
